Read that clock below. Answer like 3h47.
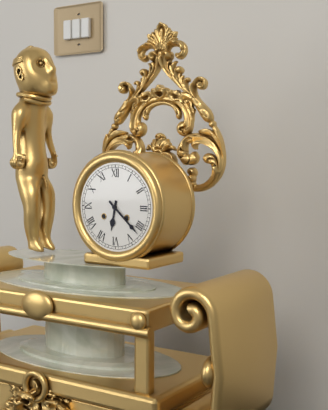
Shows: 6h22
